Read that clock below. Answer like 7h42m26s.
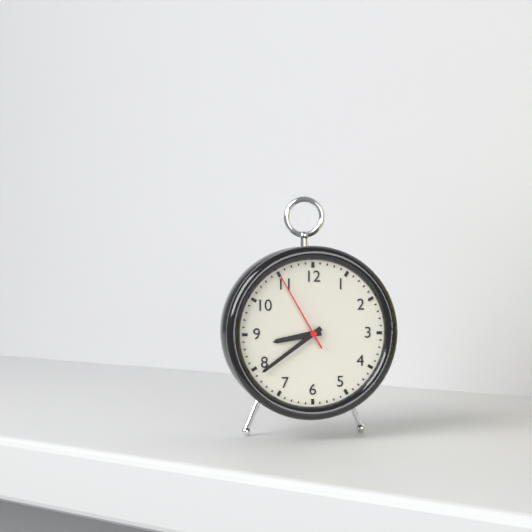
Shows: 8h39m55s
